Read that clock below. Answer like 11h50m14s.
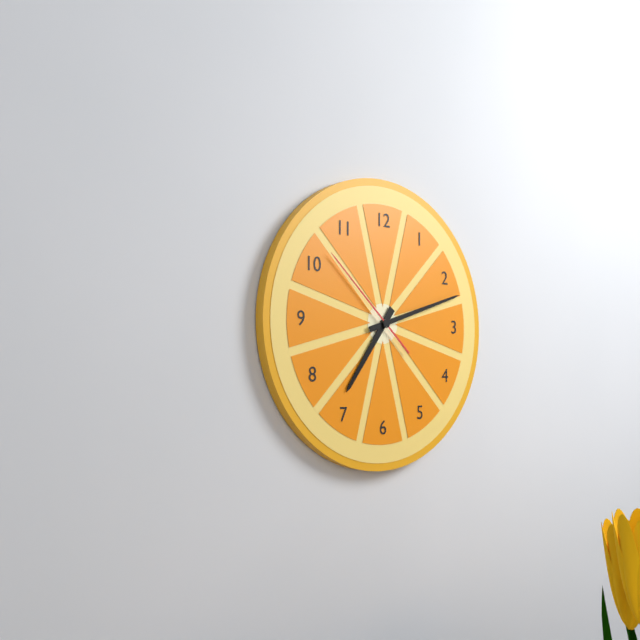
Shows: 7h12m52s
